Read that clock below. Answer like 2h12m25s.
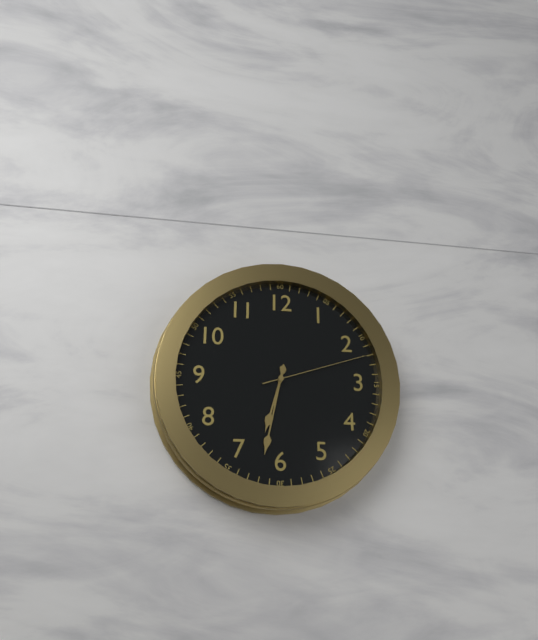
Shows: 6h32m12s
